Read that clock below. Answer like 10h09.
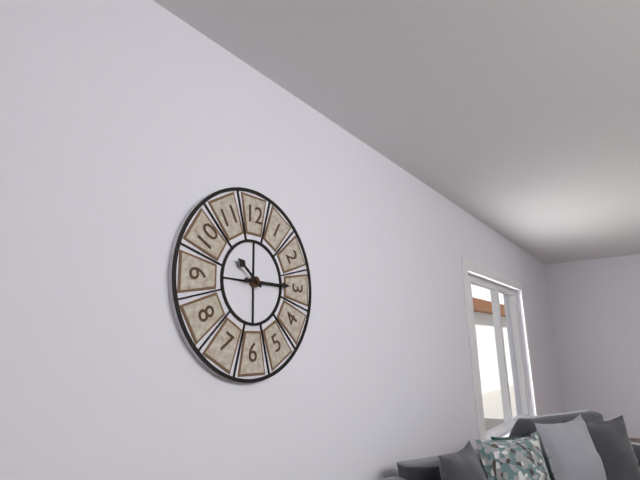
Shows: 10h15
